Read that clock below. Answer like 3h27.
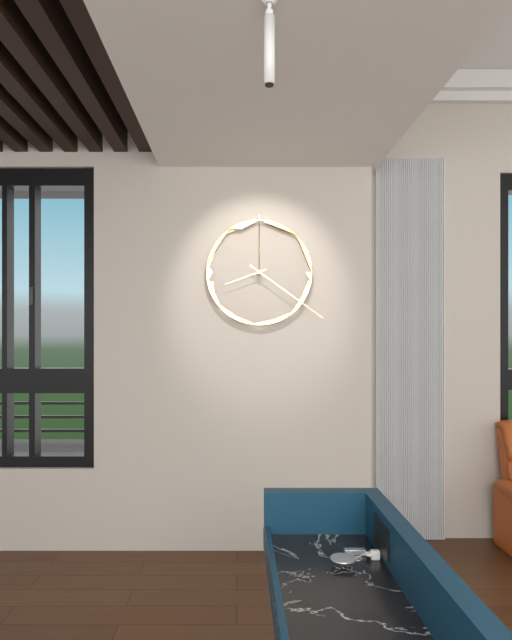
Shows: 8h21
